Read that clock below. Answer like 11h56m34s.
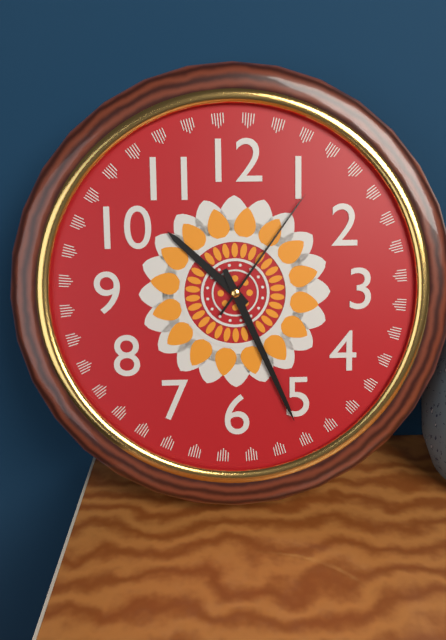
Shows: 10h26m06s
